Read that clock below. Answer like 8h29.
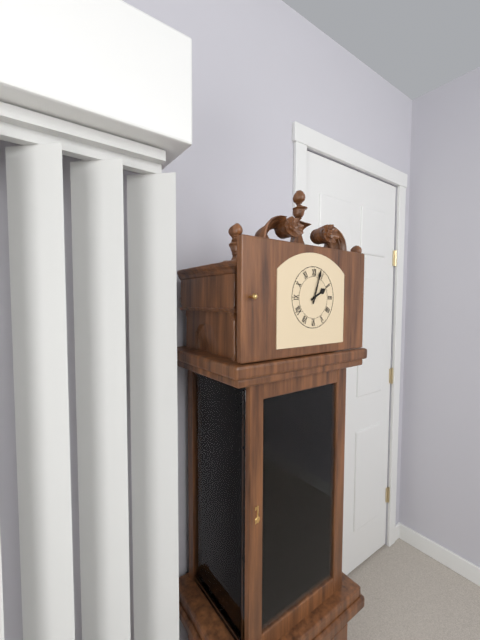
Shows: 2h03
